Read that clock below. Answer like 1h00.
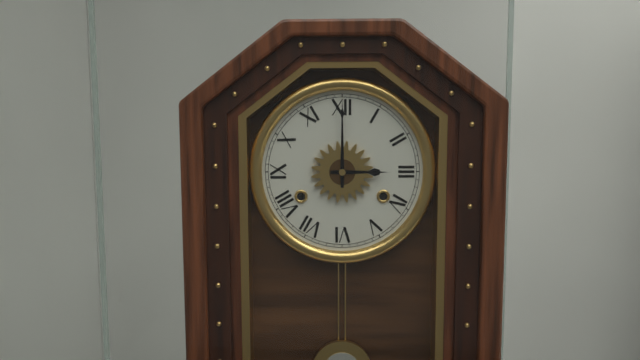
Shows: 3h00
